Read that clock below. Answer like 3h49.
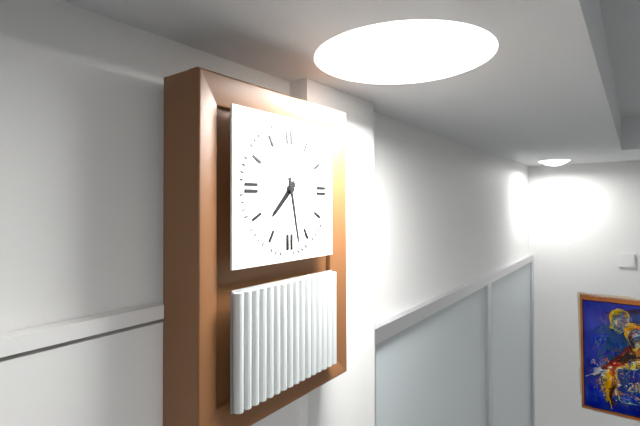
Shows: 7h28
